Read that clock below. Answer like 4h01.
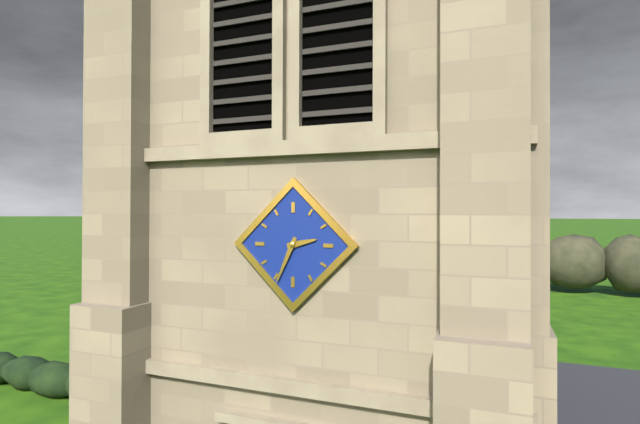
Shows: 2h34
